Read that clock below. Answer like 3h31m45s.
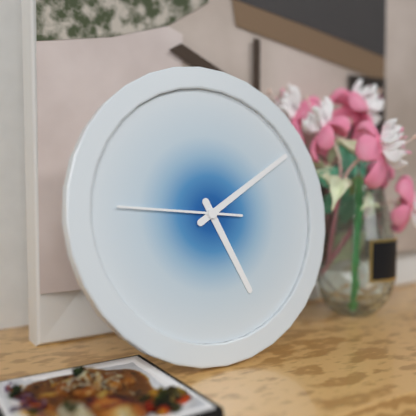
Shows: 5h10m46s
